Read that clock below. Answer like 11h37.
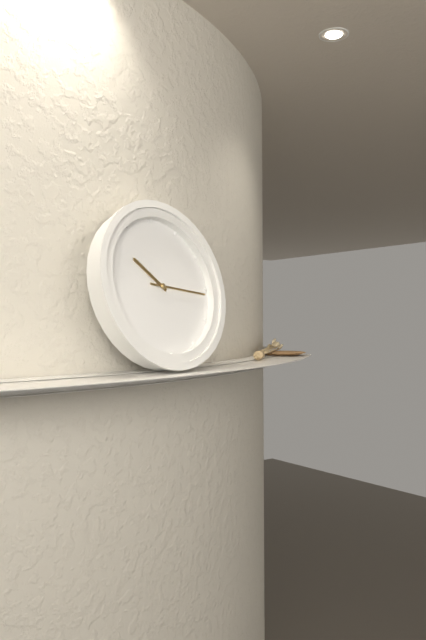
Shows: 10h16
